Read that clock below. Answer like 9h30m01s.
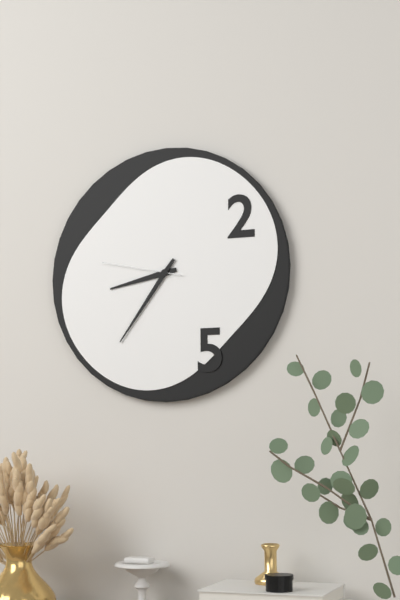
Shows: 8h36m47s
